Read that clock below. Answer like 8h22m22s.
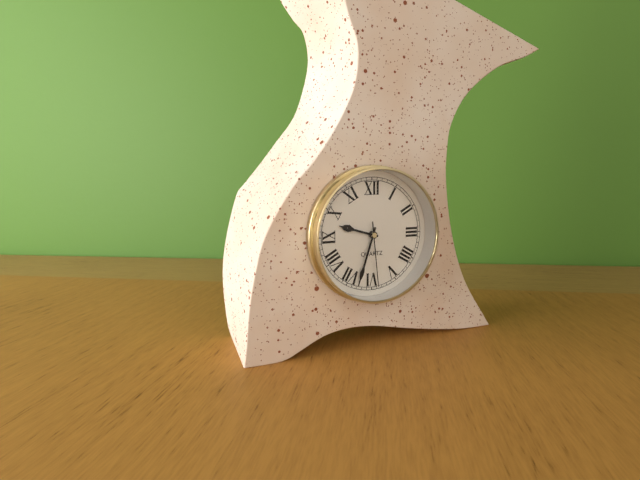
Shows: 9h33m29s
